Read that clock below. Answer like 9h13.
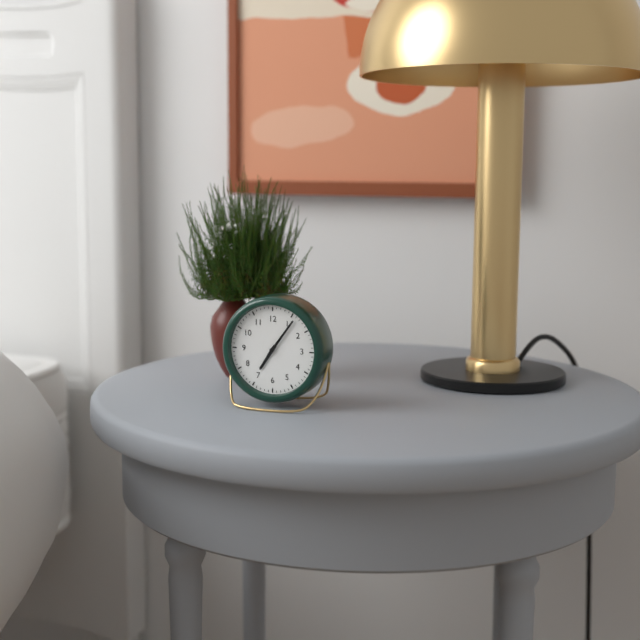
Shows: 7h06
